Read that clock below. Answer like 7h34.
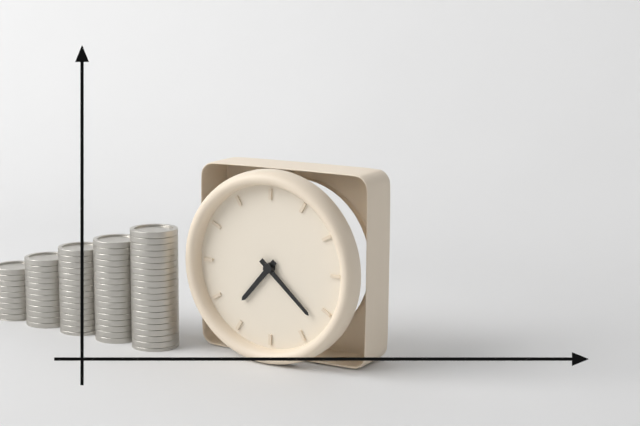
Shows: 7h22
